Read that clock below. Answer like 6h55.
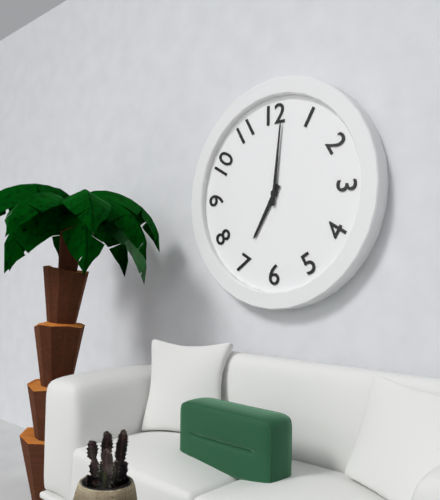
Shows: 7h01
